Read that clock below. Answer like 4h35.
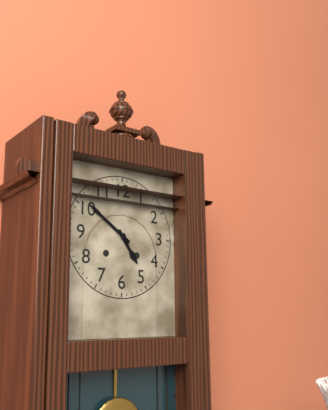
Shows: 4h51
